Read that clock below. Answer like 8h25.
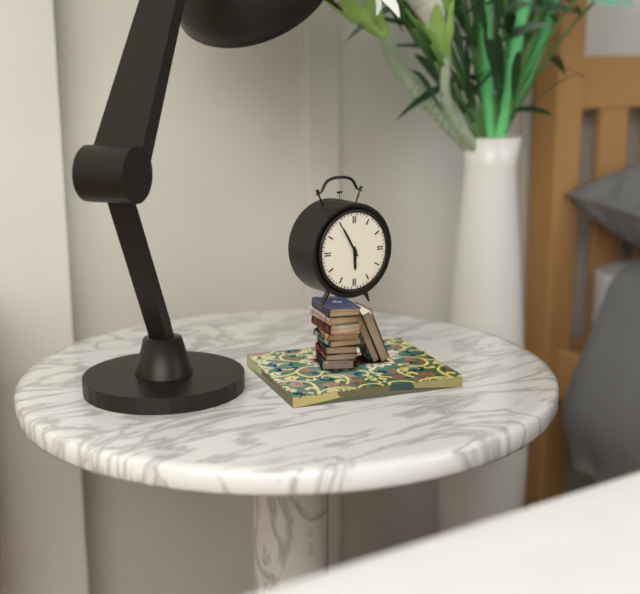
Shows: 5h55
